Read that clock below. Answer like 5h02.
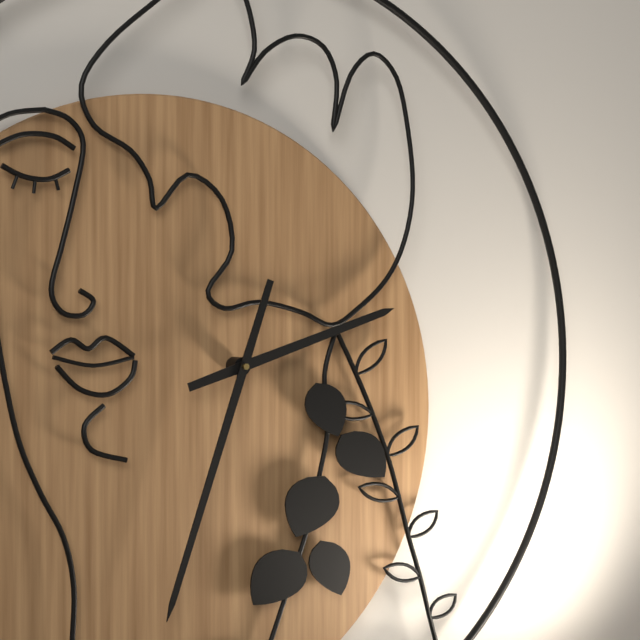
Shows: 2h34
